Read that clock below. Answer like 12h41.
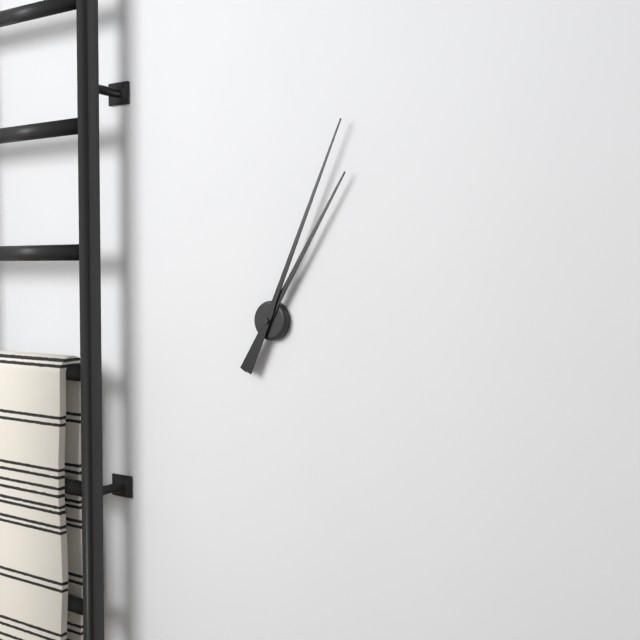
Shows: 1h04
